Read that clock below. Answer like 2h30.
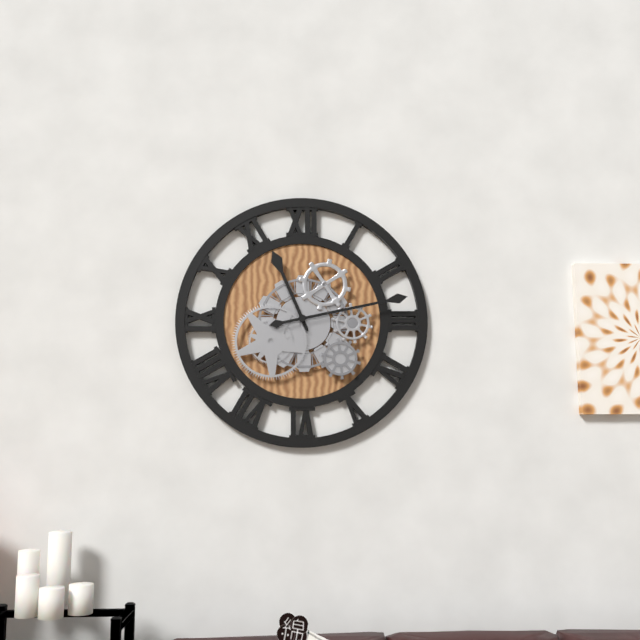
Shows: 11h13
